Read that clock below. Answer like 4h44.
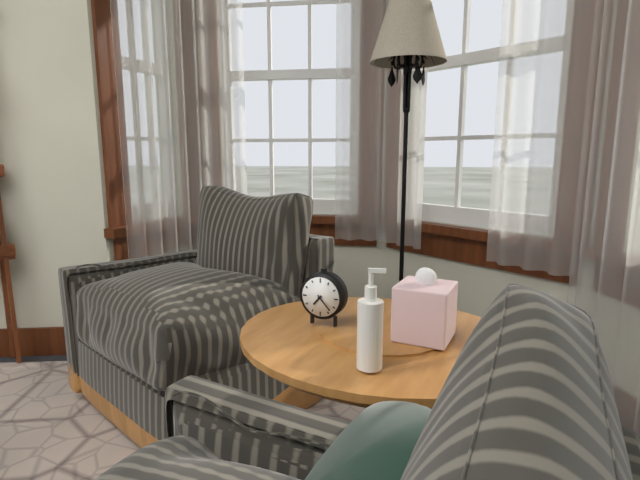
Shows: 7h23
